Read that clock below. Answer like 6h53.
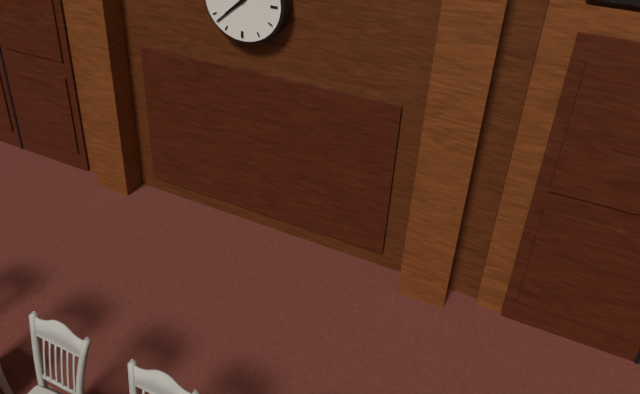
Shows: 7h38
